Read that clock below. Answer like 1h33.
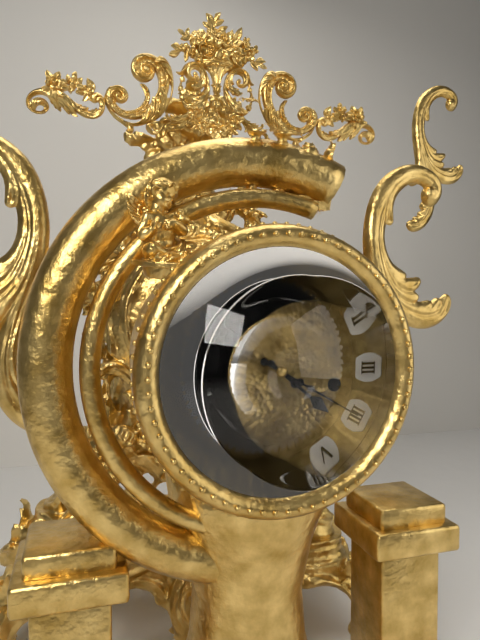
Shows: 4h20
